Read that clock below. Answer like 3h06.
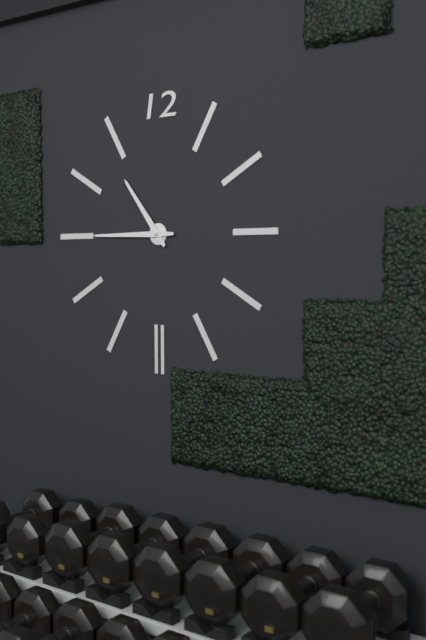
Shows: 10h45
